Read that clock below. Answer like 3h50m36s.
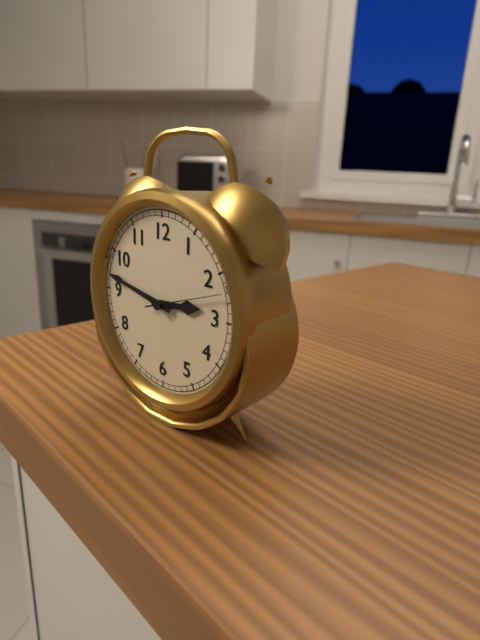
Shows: 2h47m12s
